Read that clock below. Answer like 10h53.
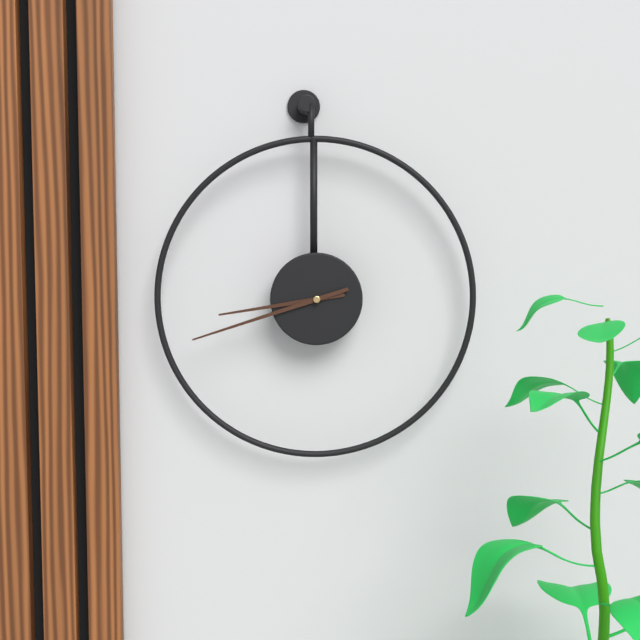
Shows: 8h42
